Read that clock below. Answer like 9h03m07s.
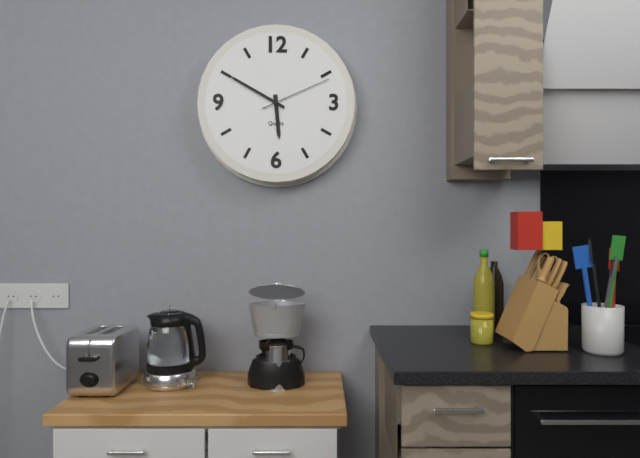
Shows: 5h50m11s
